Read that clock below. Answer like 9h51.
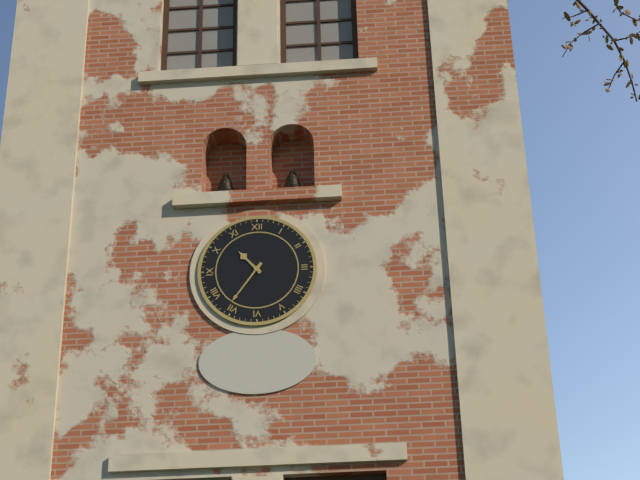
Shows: 10h36
